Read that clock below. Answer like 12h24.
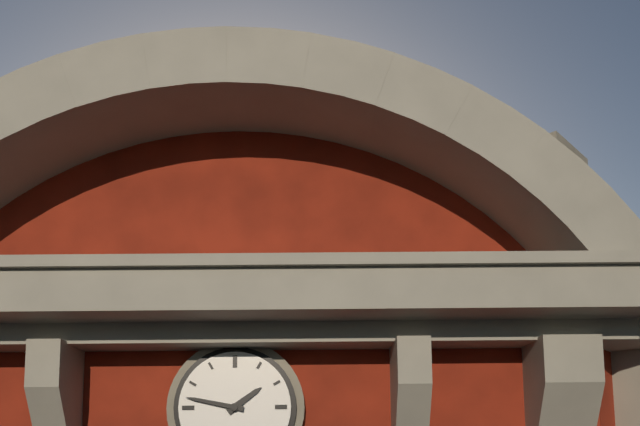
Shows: 1h47
